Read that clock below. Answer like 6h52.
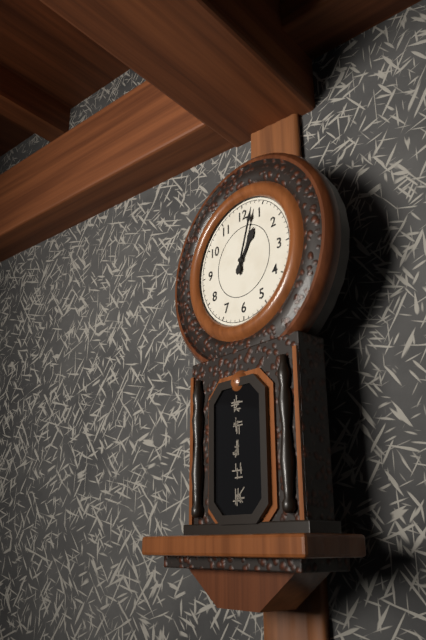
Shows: 1h03
